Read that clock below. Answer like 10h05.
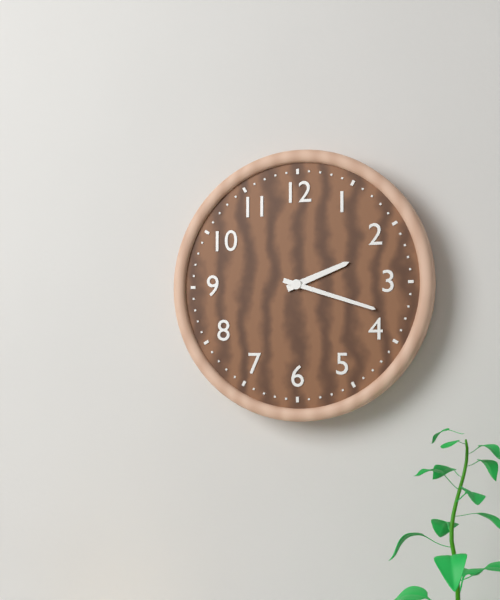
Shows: 2h18
